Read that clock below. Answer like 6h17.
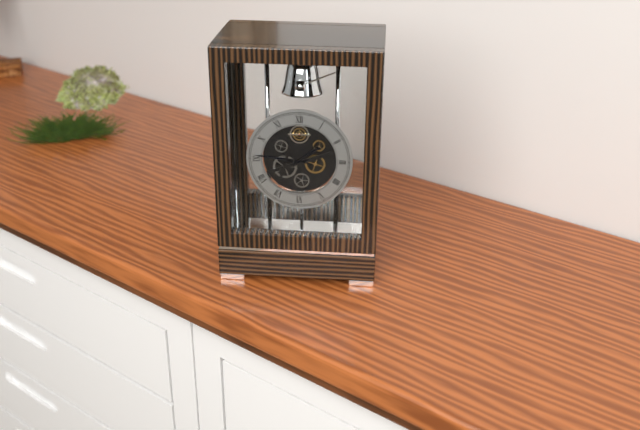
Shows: 1h46
